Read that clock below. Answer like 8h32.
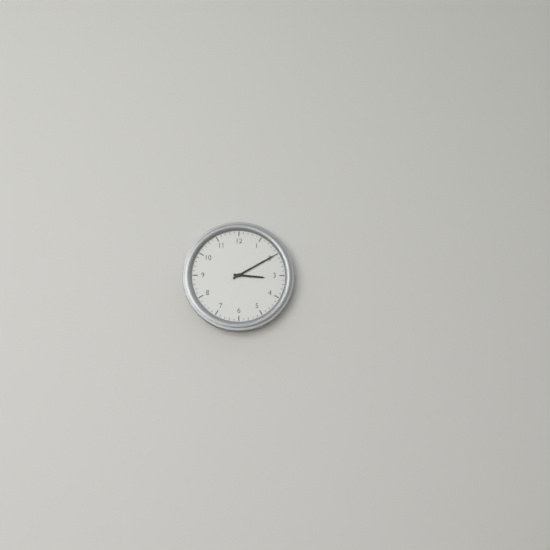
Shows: 3h10
